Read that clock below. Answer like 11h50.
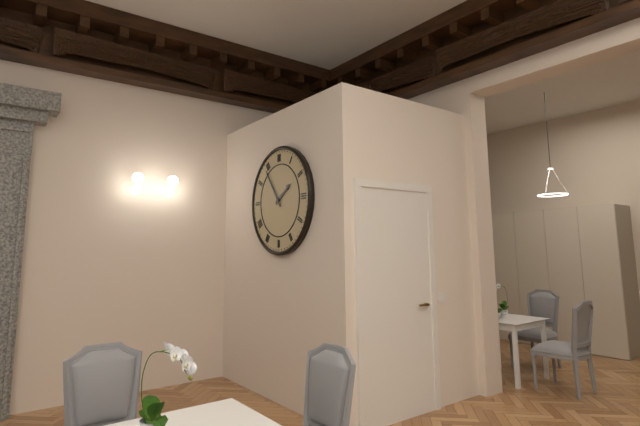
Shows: 1h54
